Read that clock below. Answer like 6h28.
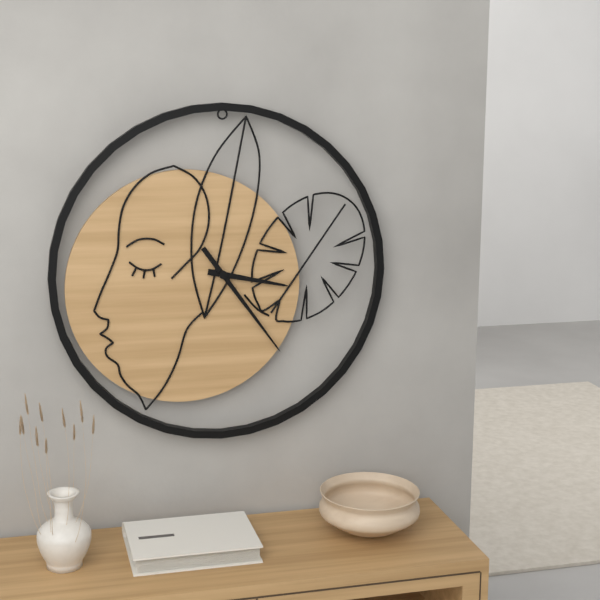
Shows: 3h24
